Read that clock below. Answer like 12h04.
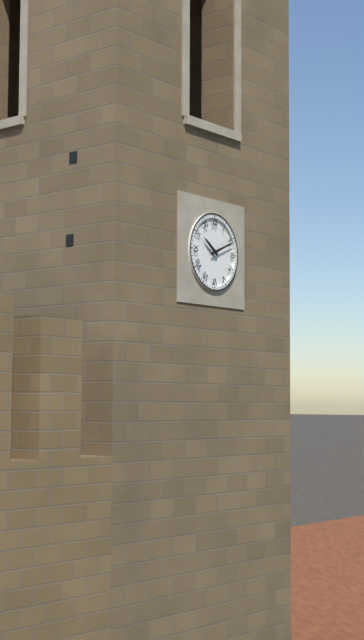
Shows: 10h11
